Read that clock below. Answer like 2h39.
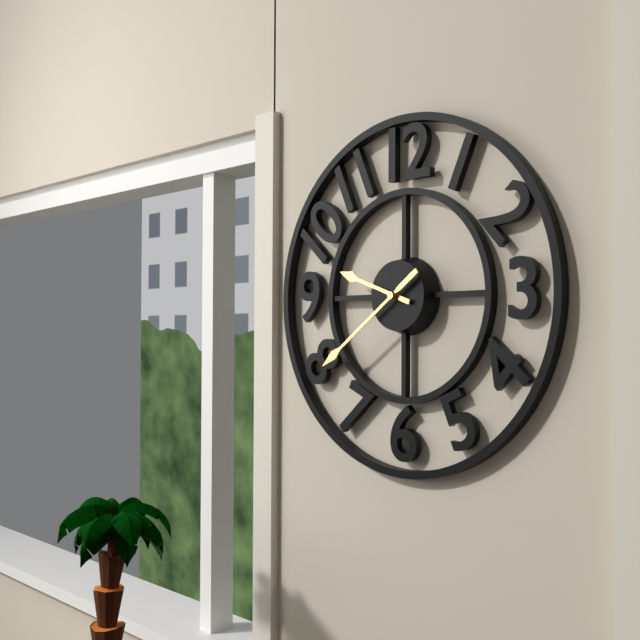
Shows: 9h39
